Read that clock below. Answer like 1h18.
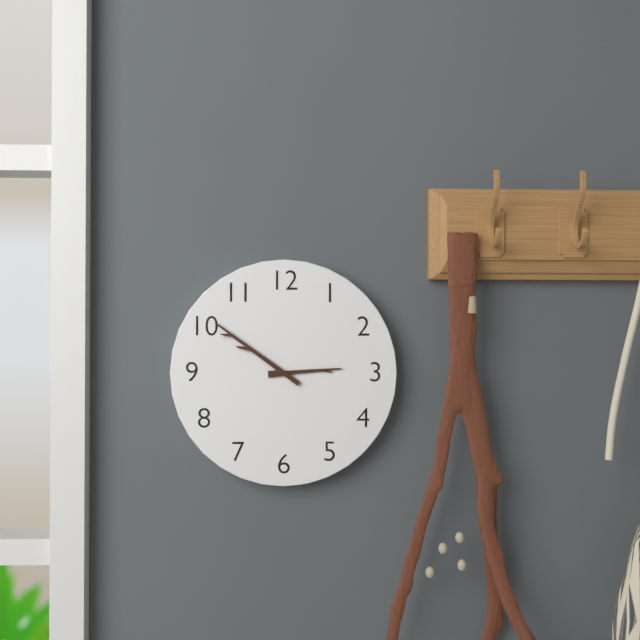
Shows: 2h51
